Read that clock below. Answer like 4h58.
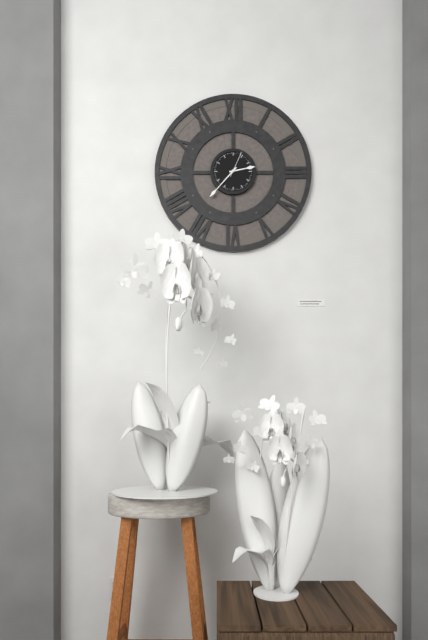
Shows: 2h37
